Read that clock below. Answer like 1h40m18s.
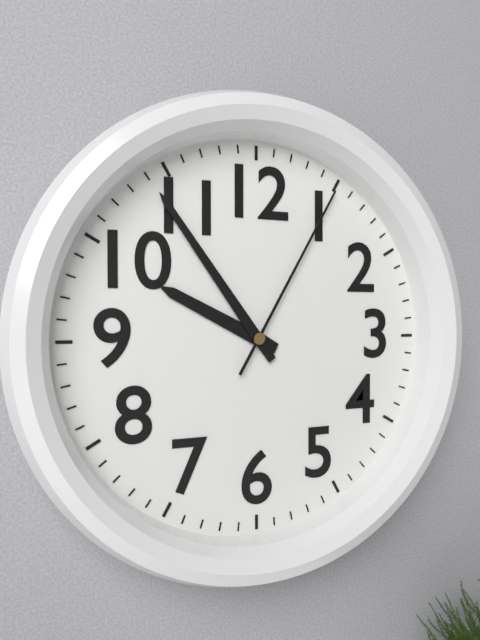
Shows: 9h54m05s
